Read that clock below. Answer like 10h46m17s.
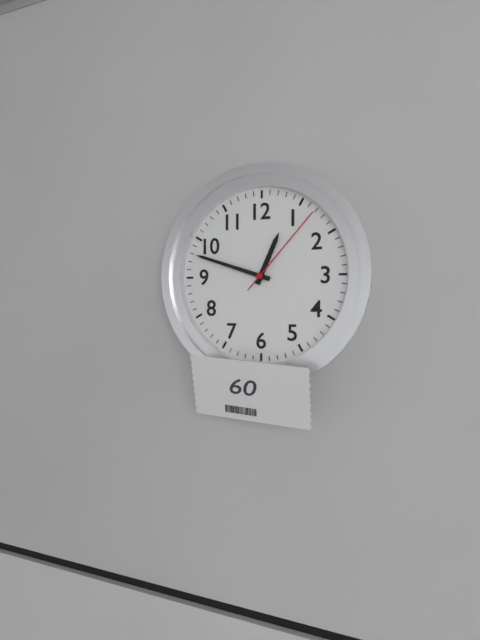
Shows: 12h48m07s
